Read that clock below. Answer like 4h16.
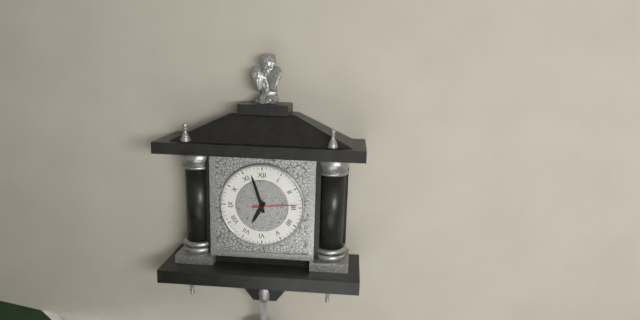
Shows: 6h57
